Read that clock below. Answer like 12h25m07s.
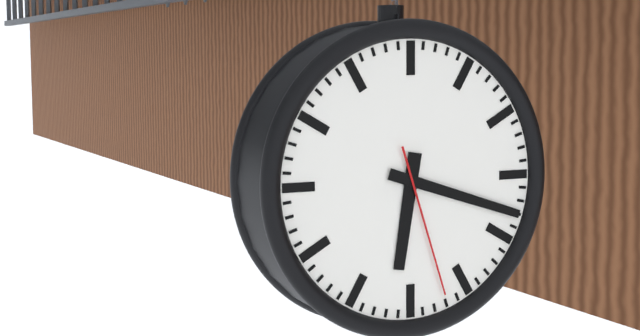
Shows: 6h18m27s
